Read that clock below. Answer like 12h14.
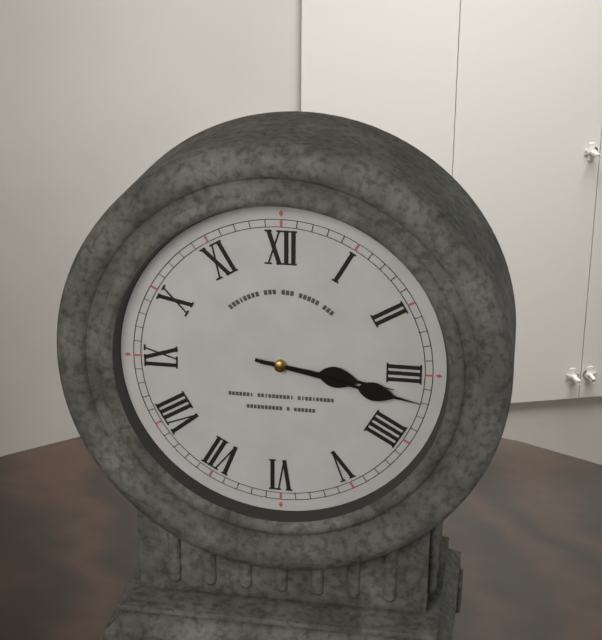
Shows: 3h17
